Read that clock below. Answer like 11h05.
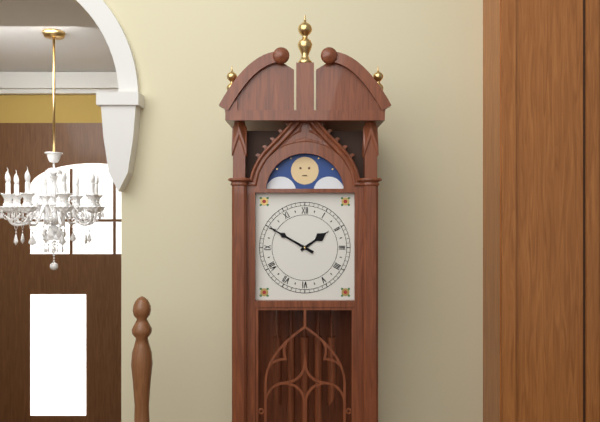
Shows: 1h50
